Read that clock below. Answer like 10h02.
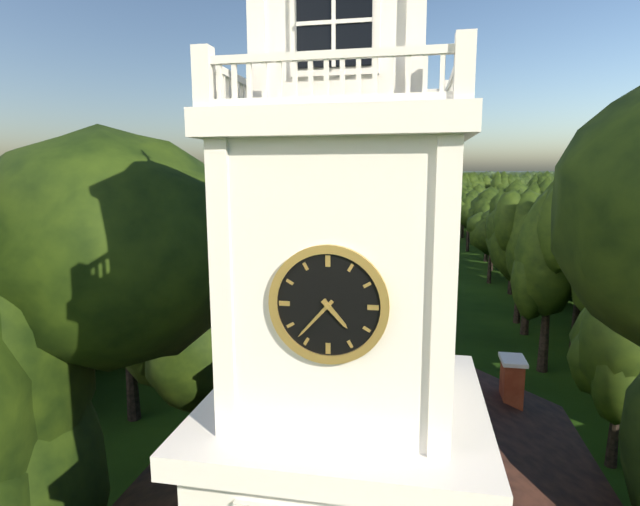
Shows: 4h37
